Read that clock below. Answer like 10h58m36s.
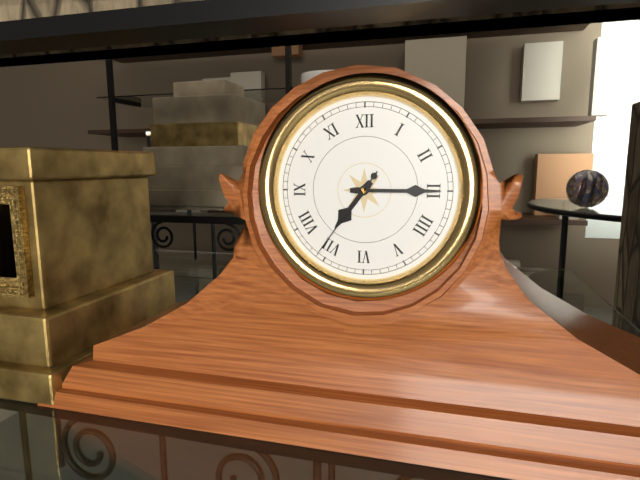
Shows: 7h15m36s
